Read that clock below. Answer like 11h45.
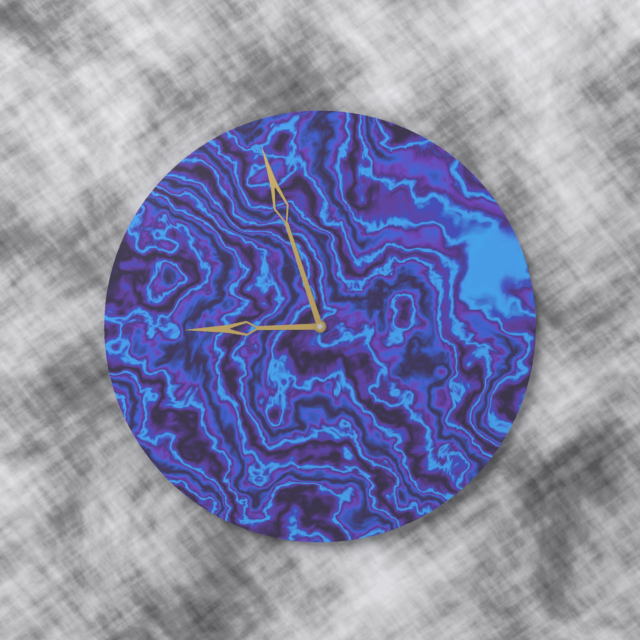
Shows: 8h57
